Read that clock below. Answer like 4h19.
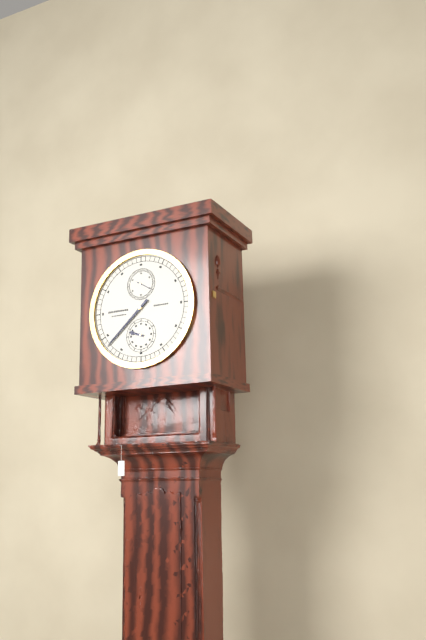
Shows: 9h38
